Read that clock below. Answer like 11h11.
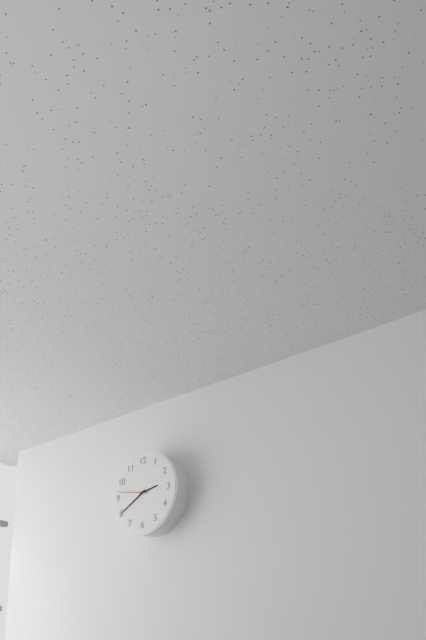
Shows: 2h40
